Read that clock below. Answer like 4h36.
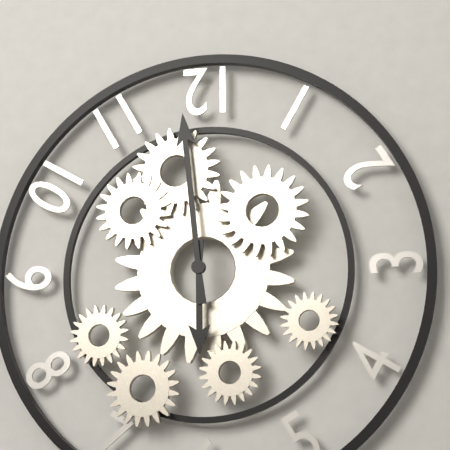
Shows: 5h59
